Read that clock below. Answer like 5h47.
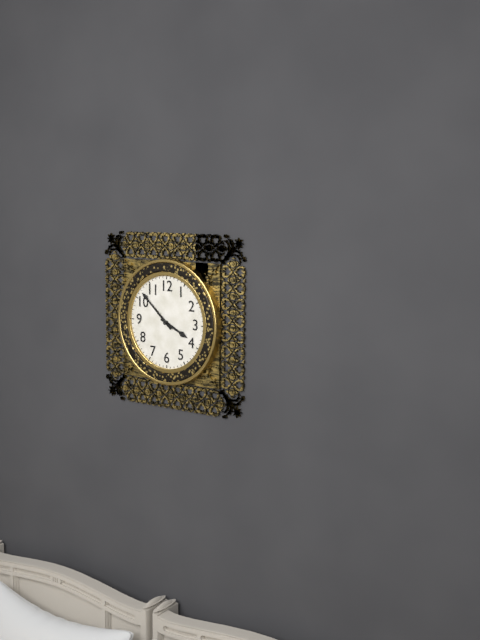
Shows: 3h52
